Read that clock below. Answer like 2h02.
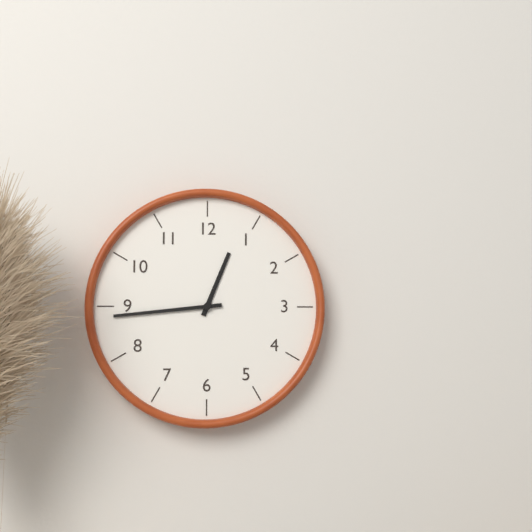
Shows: 12h44
